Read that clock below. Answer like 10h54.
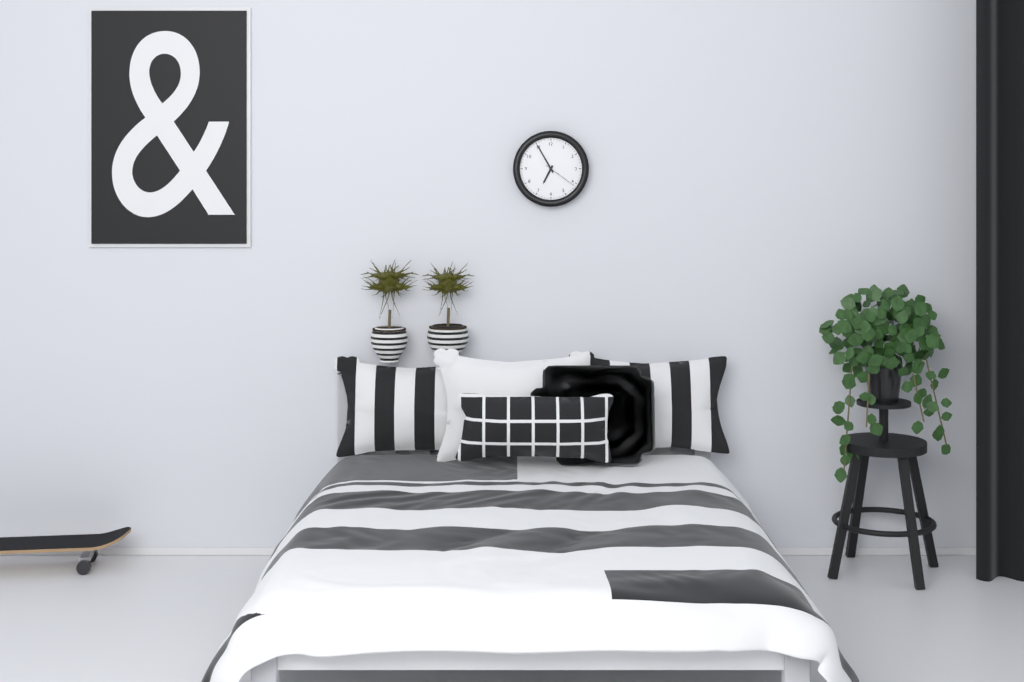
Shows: 6h55
